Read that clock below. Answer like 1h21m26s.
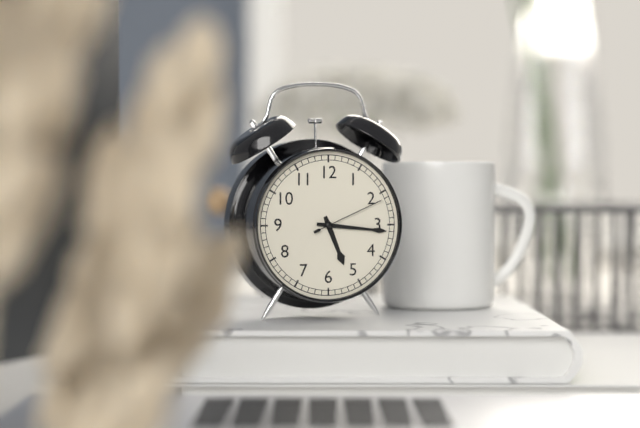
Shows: 5h16m11s
